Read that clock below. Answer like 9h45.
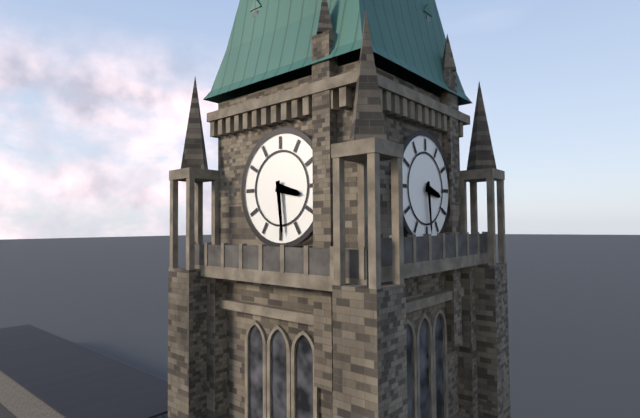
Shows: 3h29
